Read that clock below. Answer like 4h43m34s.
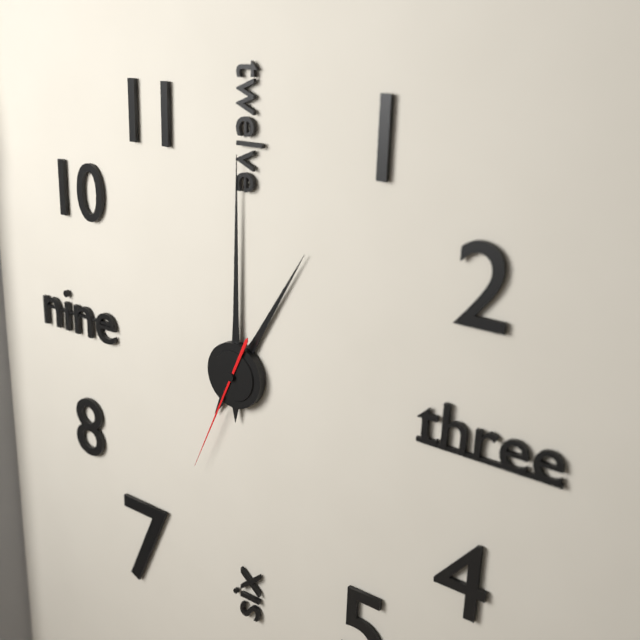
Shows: 1h00m34s
